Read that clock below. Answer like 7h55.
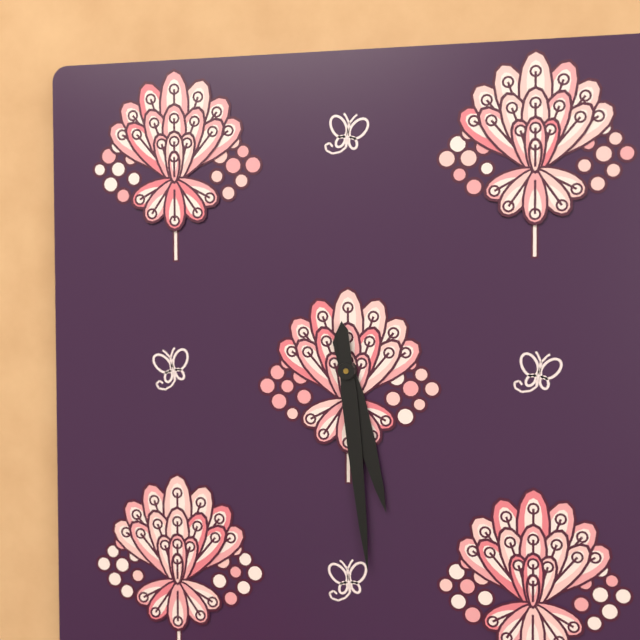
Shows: 5h29
